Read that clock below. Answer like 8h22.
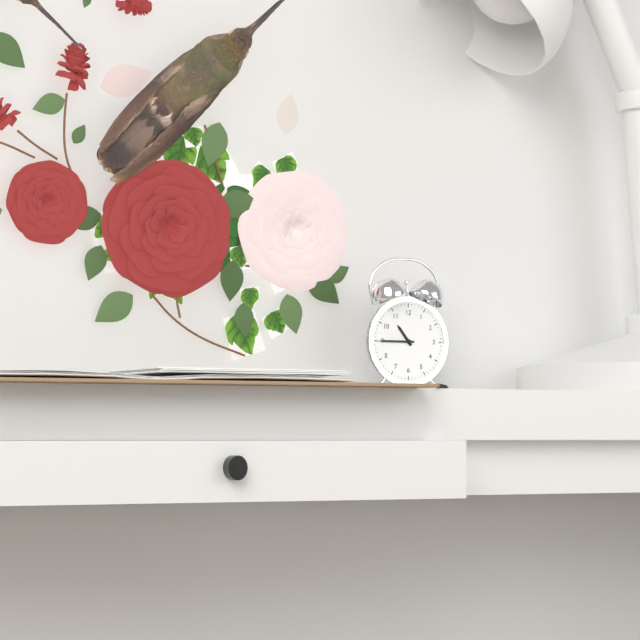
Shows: 10h45
